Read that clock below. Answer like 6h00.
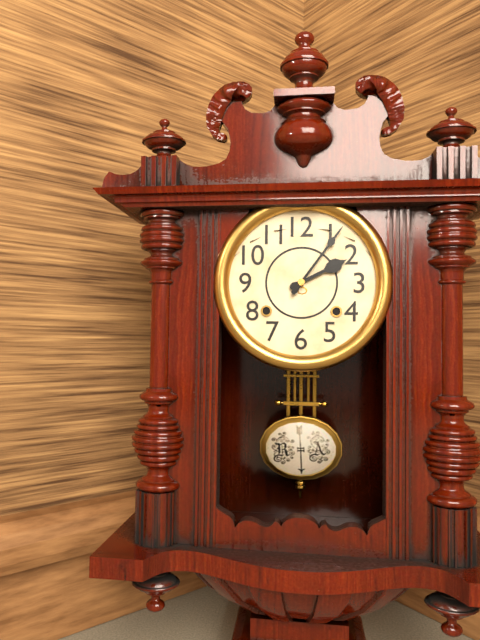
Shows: 2h06
